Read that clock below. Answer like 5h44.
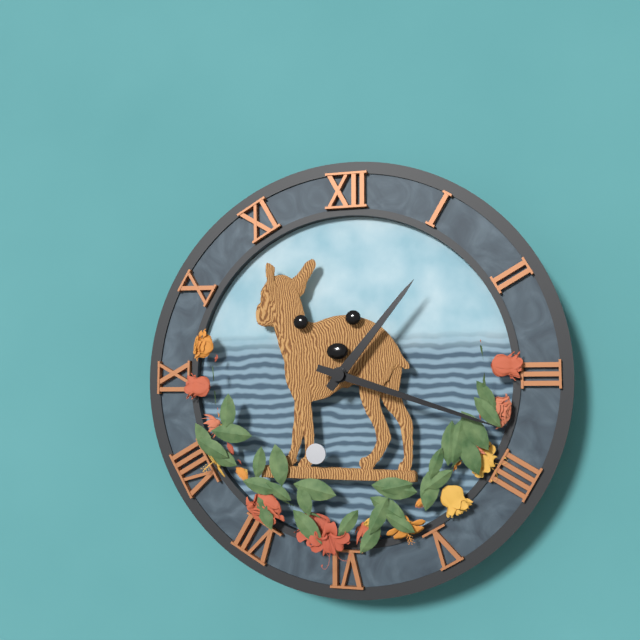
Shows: 1h18
